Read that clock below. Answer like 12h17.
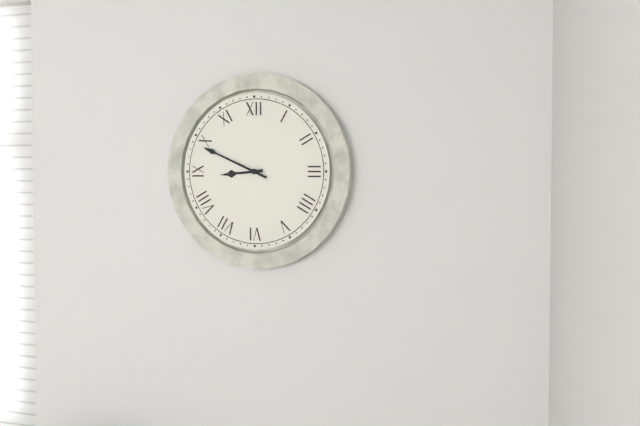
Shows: 8h49
